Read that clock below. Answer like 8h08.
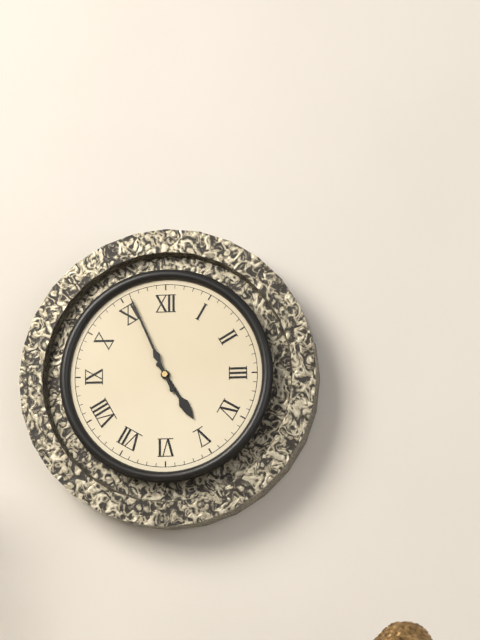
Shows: 4h56
